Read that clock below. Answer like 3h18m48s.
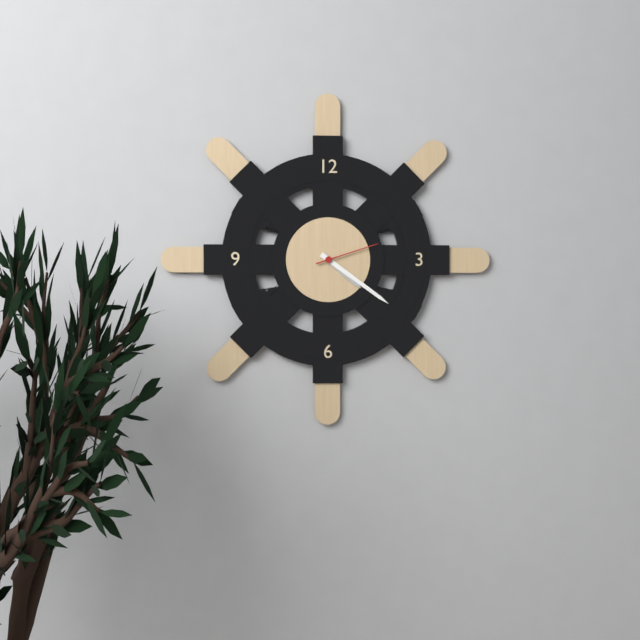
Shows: 4h21m12s
